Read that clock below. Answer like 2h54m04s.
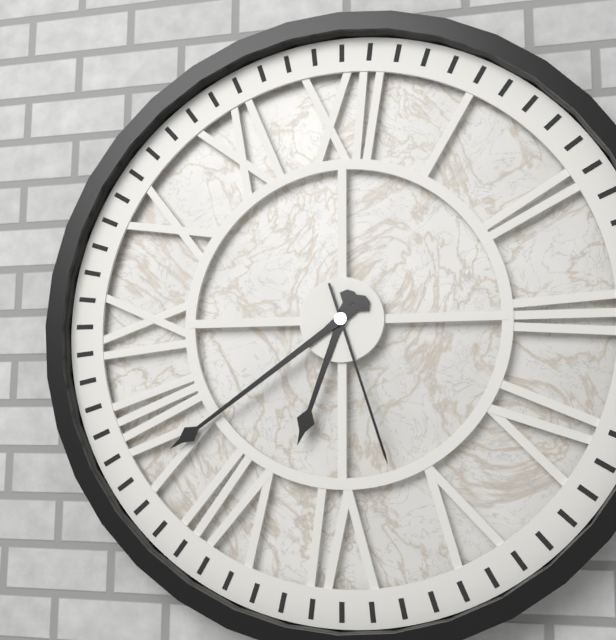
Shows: 6h39m27s
